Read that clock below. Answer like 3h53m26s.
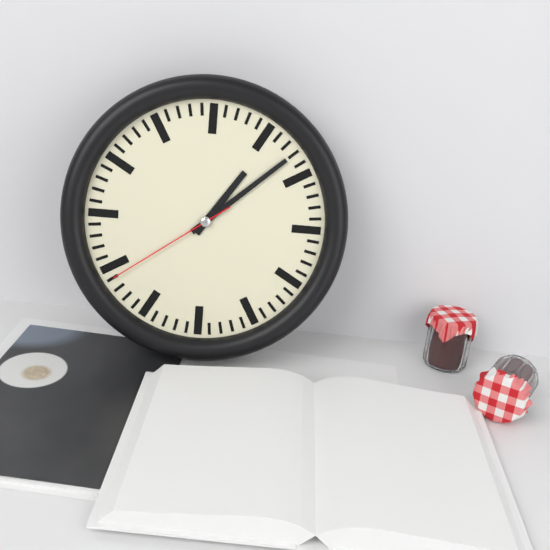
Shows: 1h08m39s
